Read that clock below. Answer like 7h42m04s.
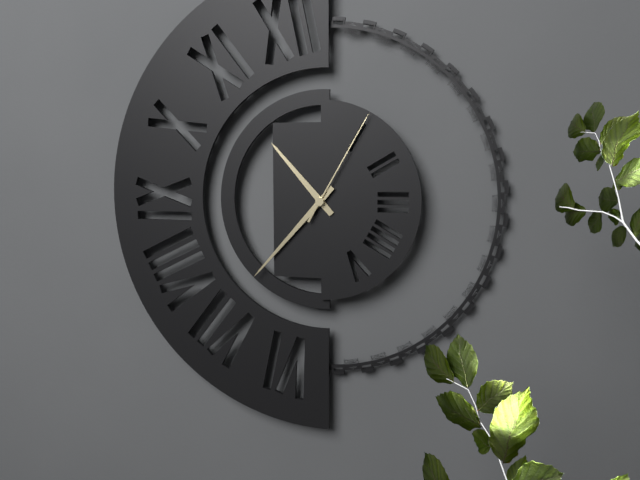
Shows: 10h37m05s
